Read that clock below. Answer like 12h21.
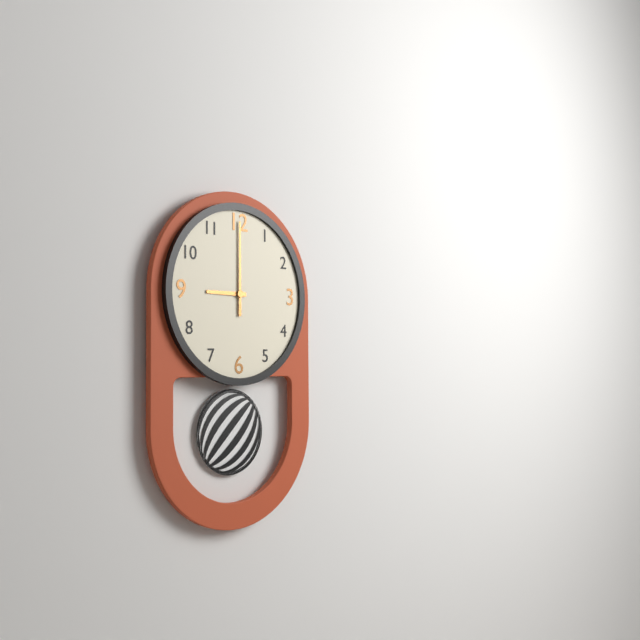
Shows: 9h00
